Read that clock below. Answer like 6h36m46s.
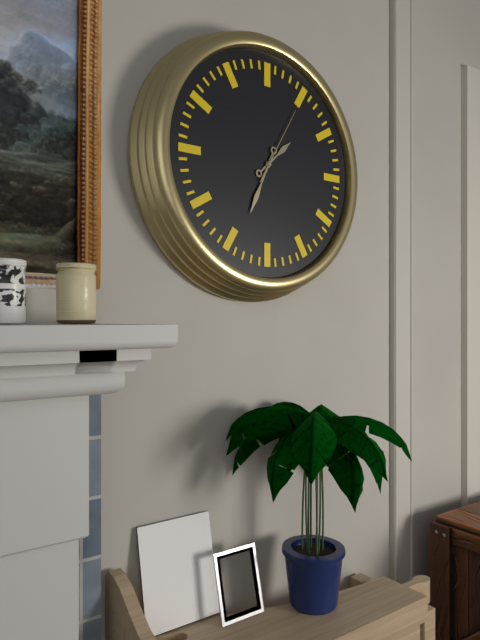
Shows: 1h34m05s
